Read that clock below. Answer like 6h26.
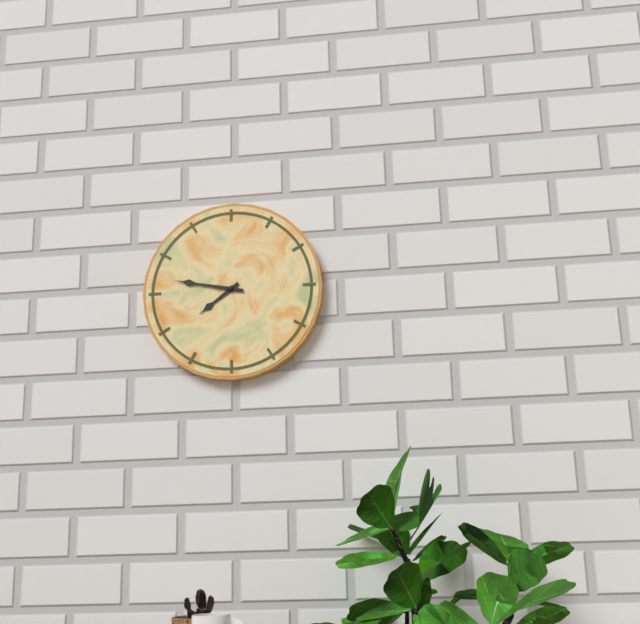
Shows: 7h47
